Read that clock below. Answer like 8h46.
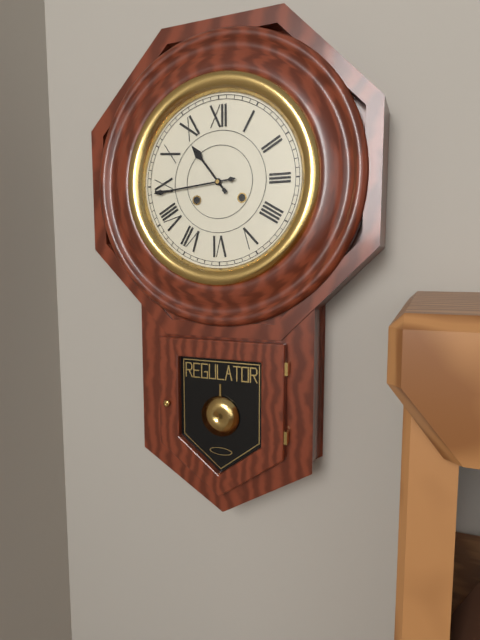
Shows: 10h44
